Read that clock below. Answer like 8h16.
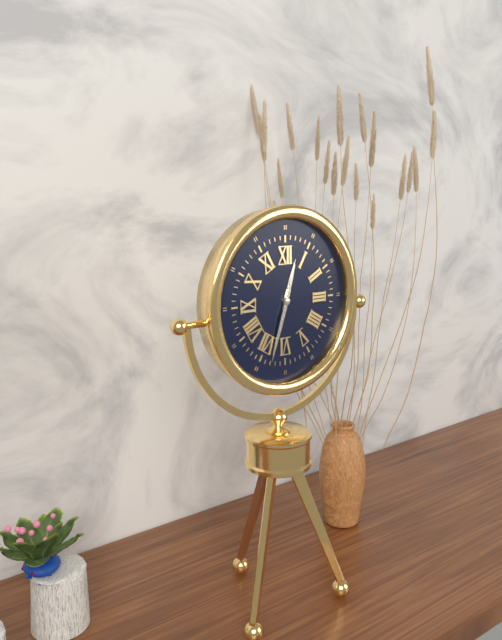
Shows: 12h33
